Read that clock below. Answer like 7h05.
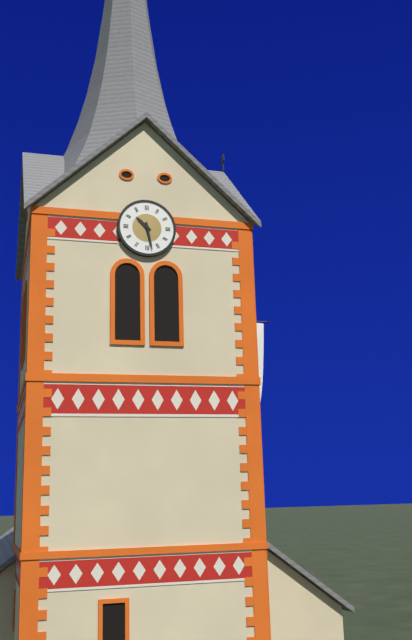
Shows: 10h28
